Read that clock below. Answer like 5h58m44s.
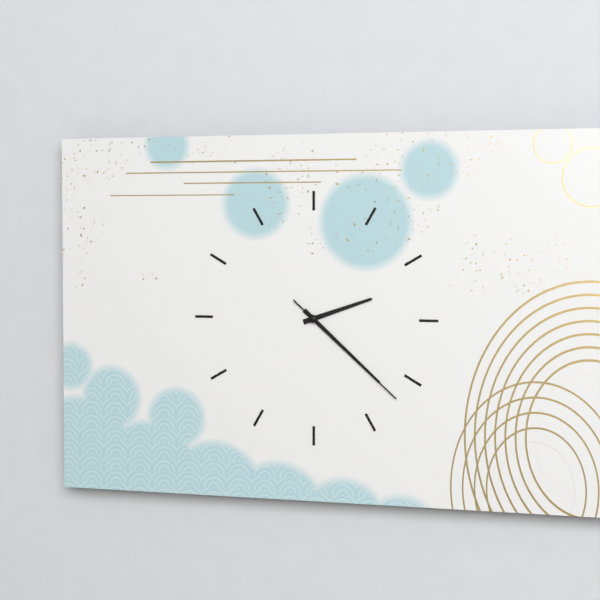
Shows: 2h22m22s
